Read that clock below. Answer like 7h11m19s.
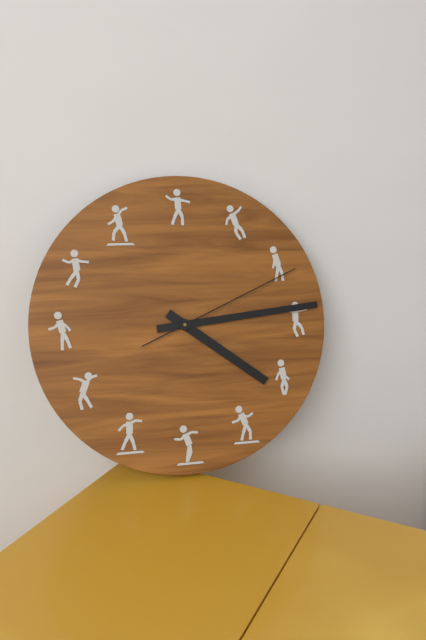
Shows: 4h14m11s
